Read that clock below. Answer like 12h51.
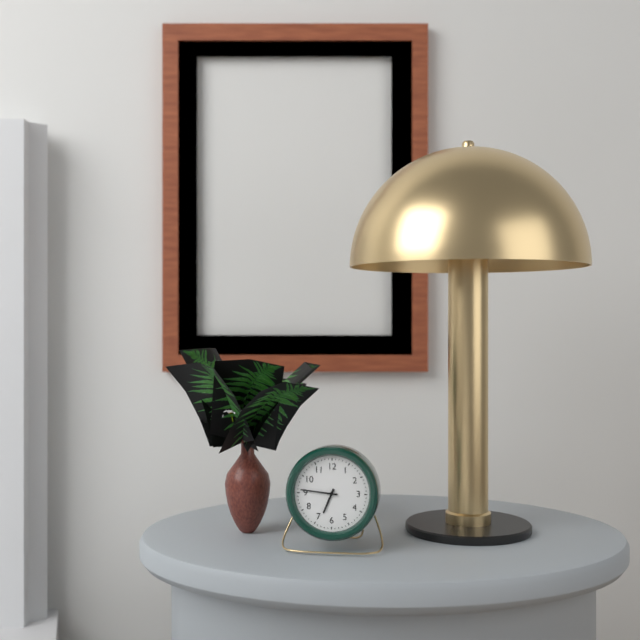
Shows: 6h46
